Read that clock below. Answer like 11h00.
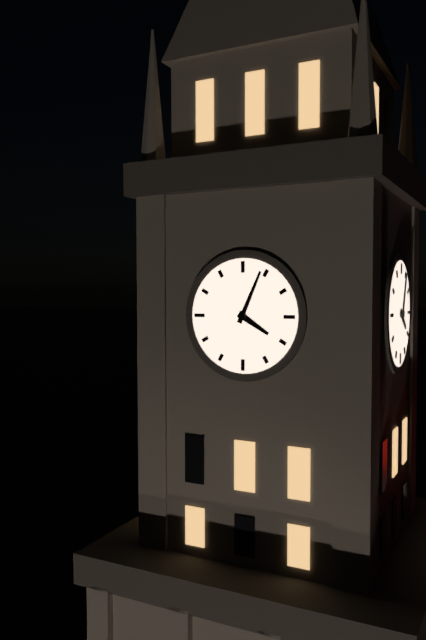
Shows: 4h04
